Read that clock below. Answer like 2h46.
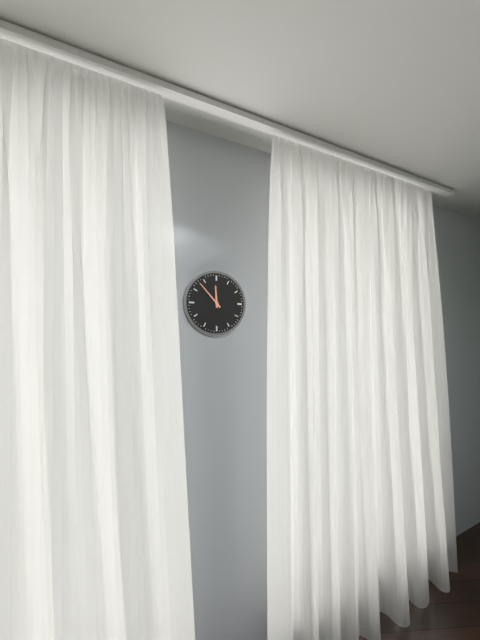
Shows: 11h53
